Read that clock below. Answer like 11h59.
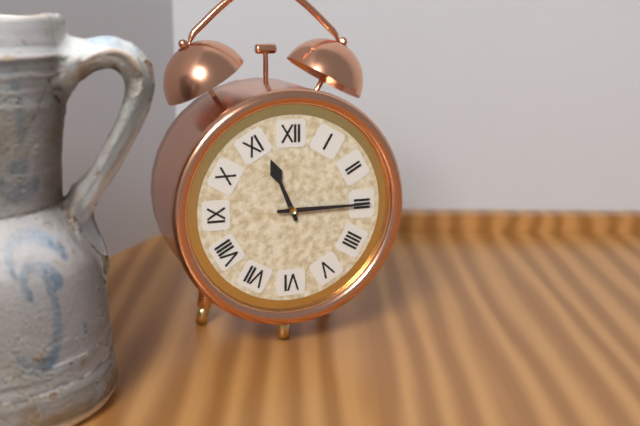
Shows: 11h15
